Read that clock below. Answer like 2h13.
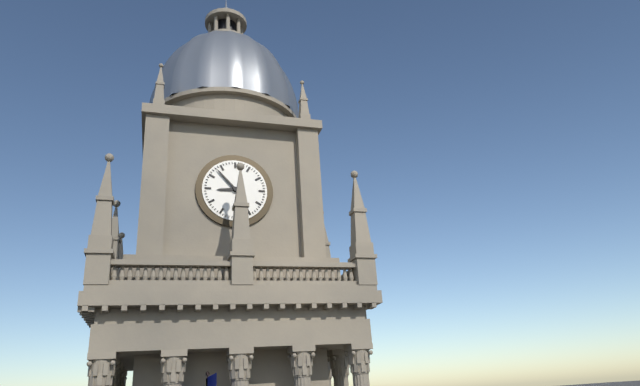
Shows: 8h53
